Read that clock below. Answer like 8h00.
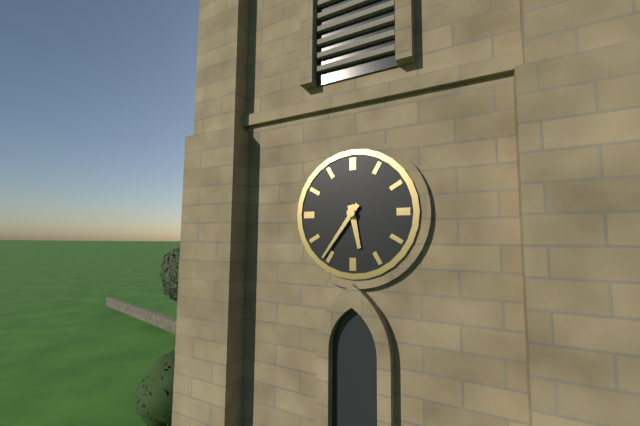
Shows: 5h36
